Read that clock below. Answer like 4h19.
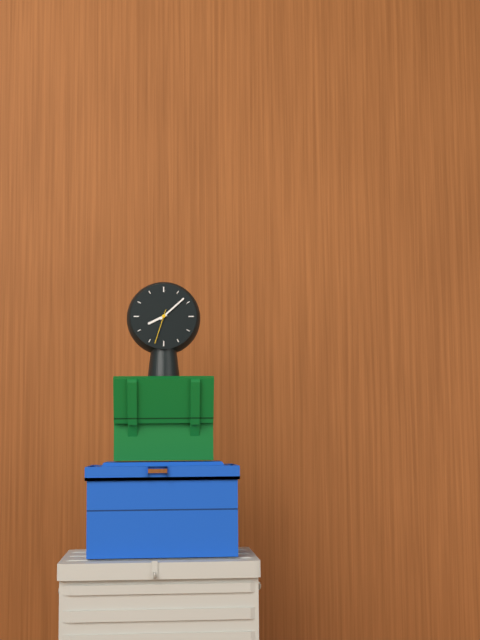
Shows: 8h08
